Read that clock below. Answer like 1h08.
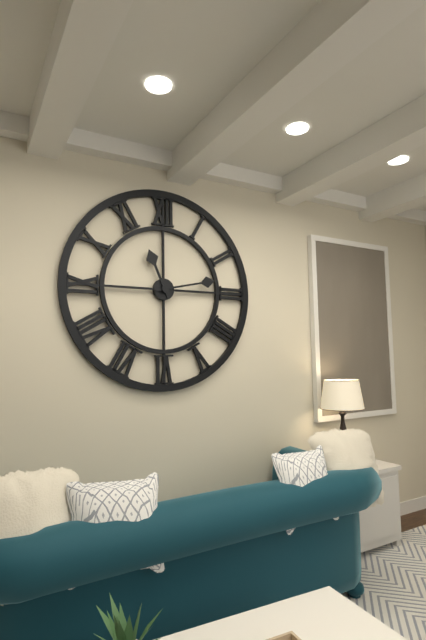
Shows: 11h13
